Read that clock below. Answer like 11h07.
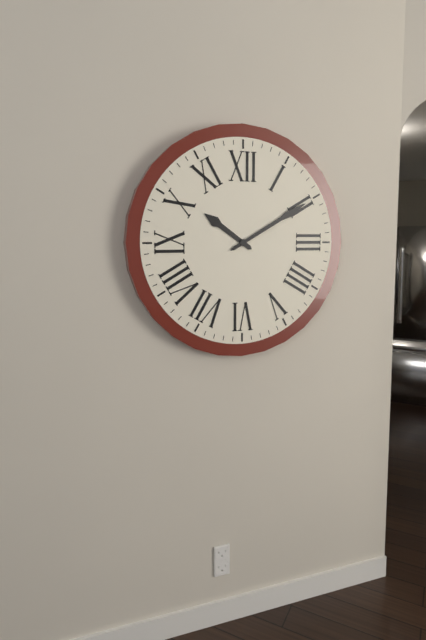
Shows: 10h10
